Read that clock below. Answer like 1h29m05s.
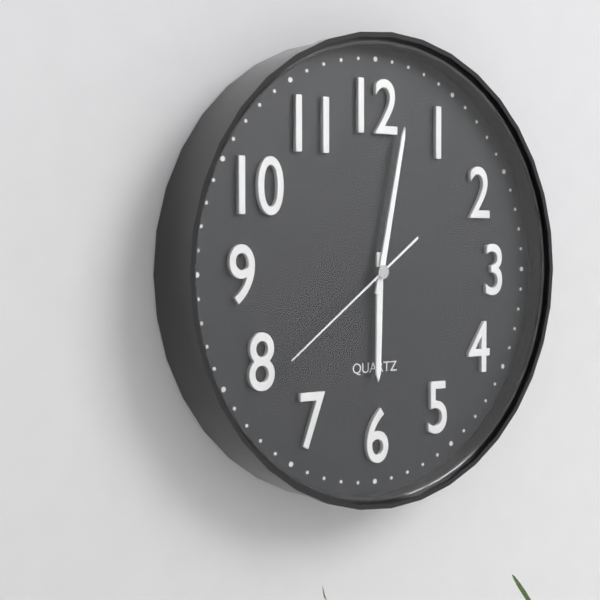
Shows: 6h02m39s
